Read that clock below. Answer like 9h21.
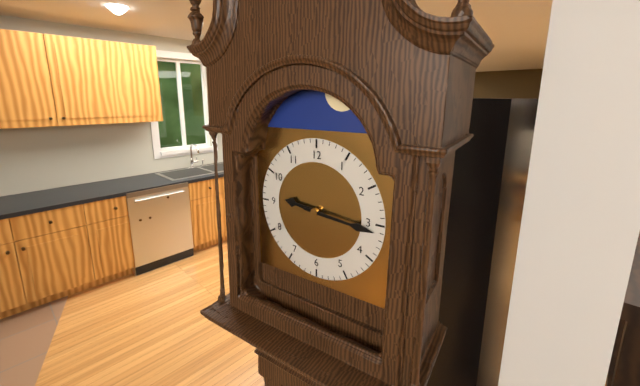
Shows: 9h16
